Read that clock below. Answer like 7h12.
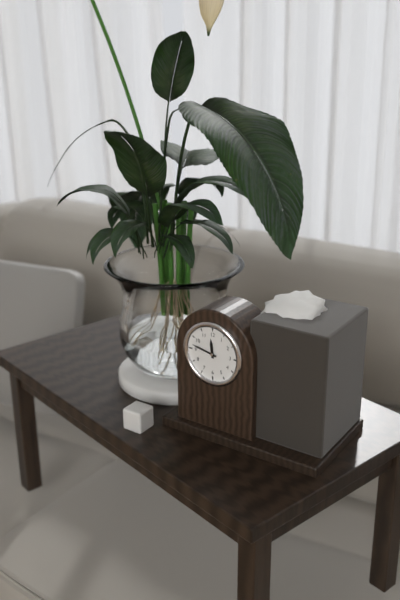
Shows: 11h47
